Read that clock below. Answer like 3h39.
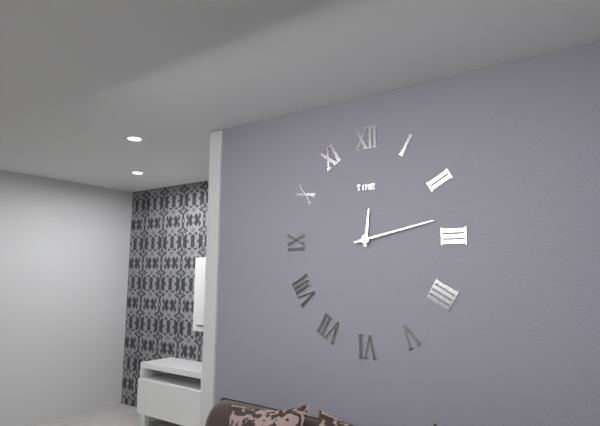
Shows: 12h13
